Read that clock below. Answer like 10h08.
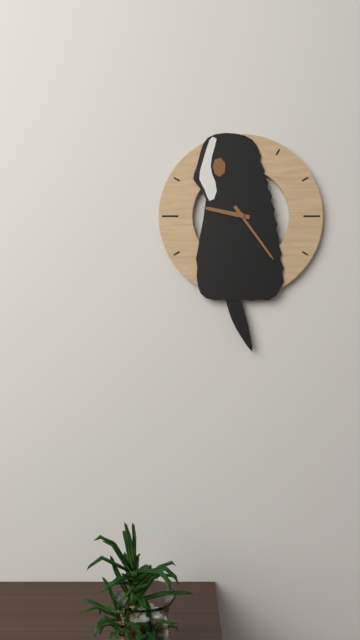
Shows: 9h24
